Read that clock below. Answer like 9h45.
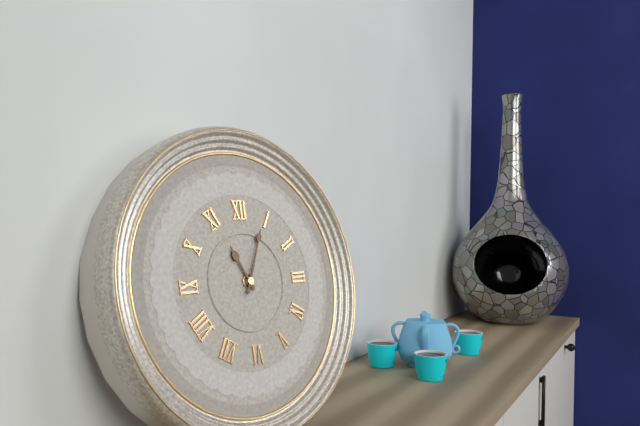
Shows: 11h04
